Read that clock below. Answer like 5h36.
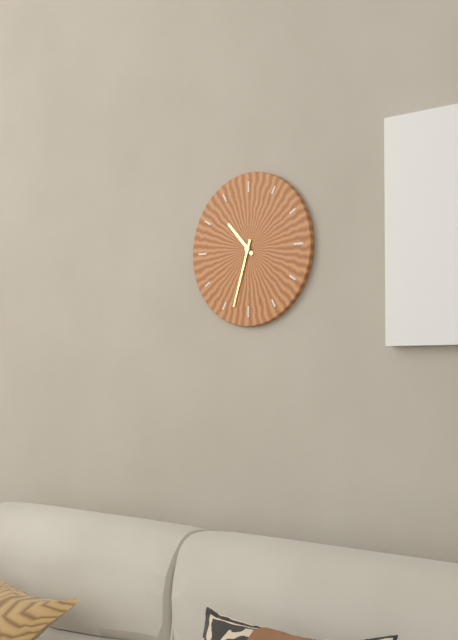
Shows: 10h33
